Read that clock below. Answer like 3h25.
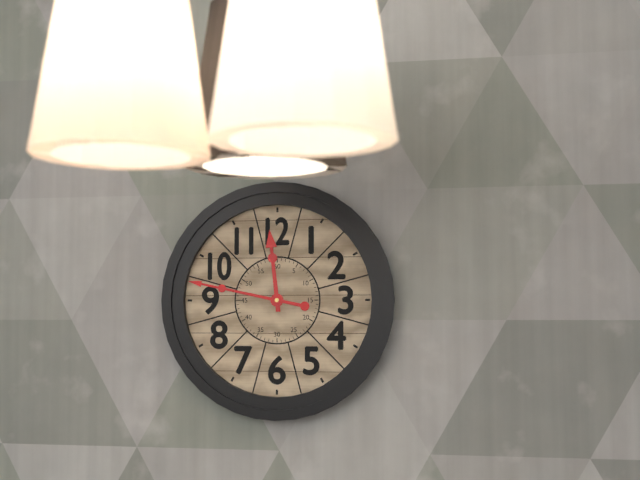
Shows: 11h47
